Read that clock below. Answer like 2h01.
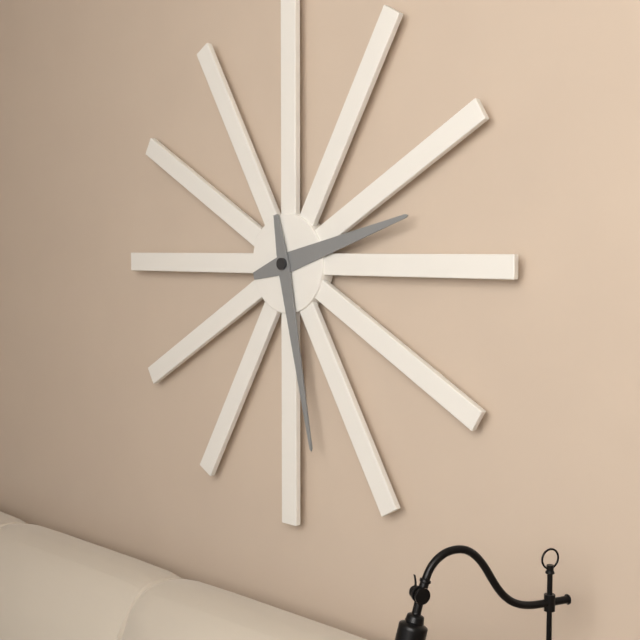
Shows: 2h28
